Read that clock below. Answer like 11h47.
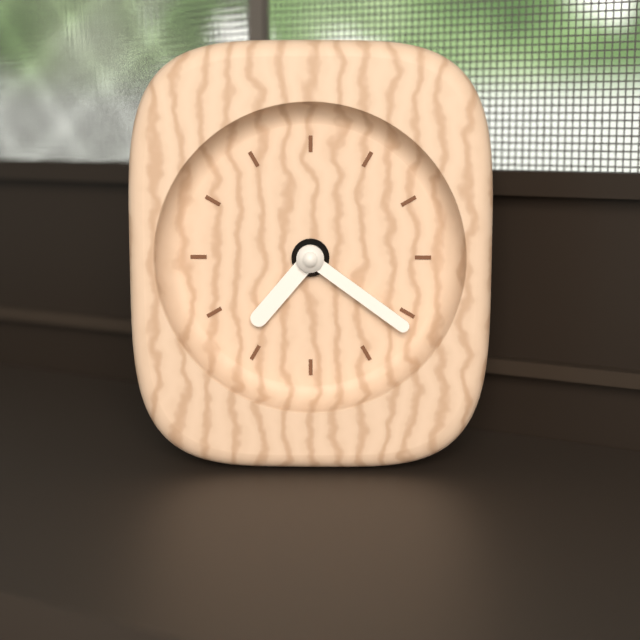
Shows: 7h21
